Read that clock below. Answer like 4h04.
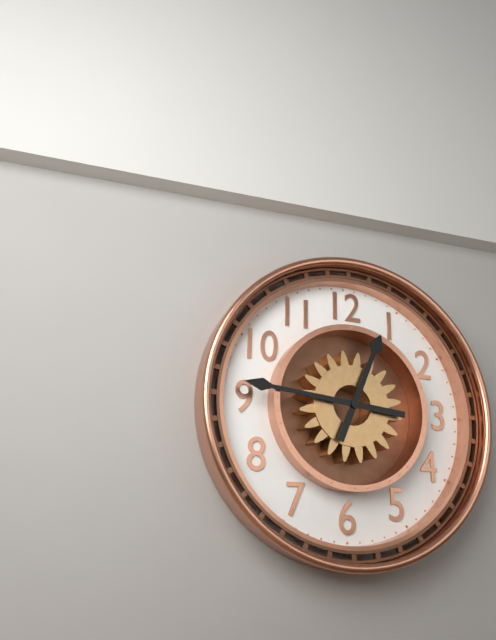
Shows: 12h46
